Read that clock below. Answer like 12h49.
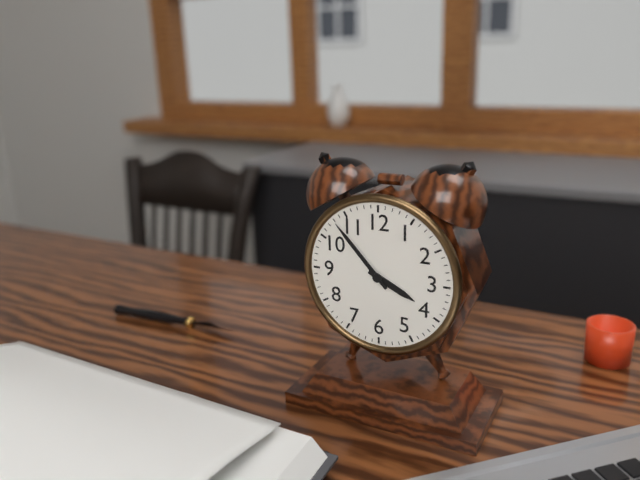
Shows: 3h53
